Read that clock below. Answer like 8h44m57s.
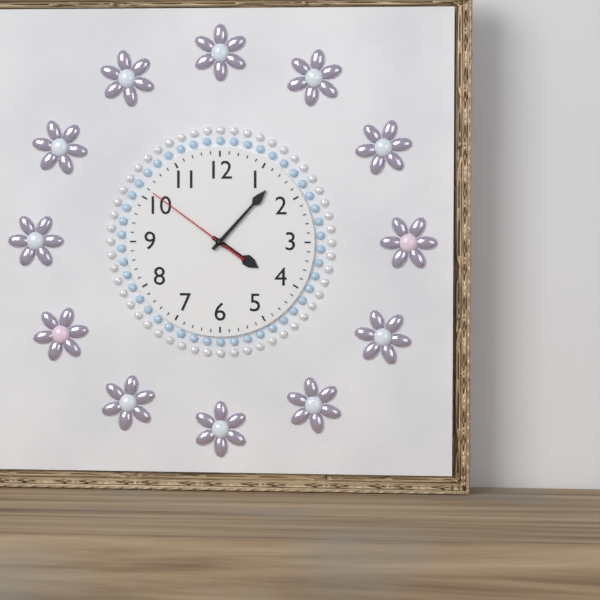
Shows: 4h07m51s
